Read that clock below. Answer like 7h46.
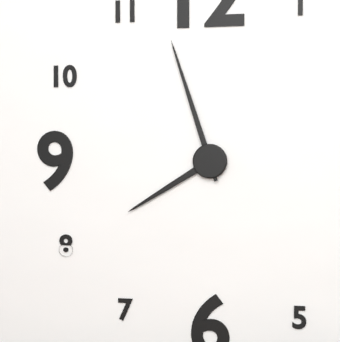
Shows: 7h57
